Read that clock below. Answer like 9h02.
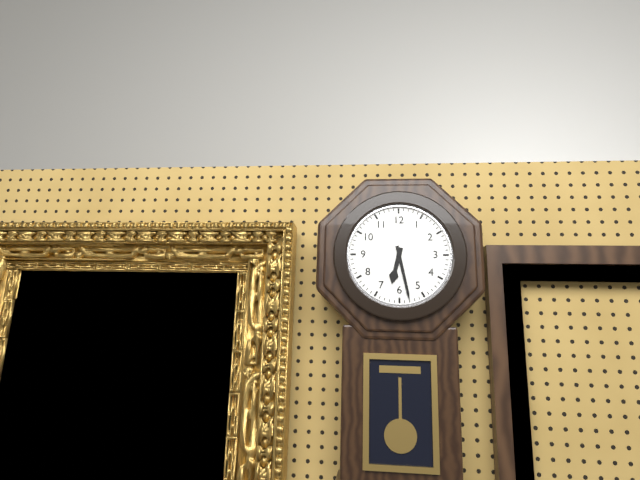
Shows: 6h28
